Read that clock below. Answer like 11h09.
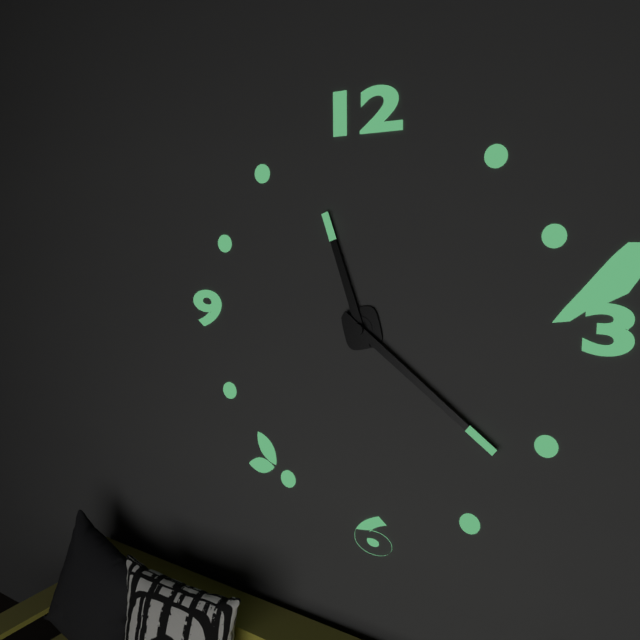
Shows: 11h21
